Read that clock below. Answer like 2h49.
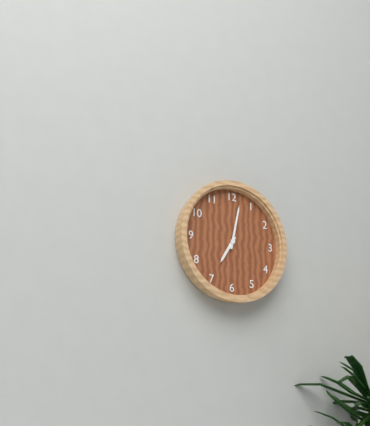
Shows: 7h02
